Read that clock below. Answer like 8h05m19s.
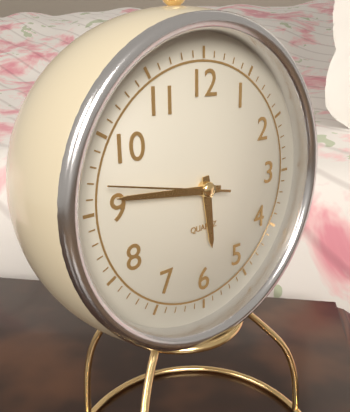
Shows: 5h46m47s
